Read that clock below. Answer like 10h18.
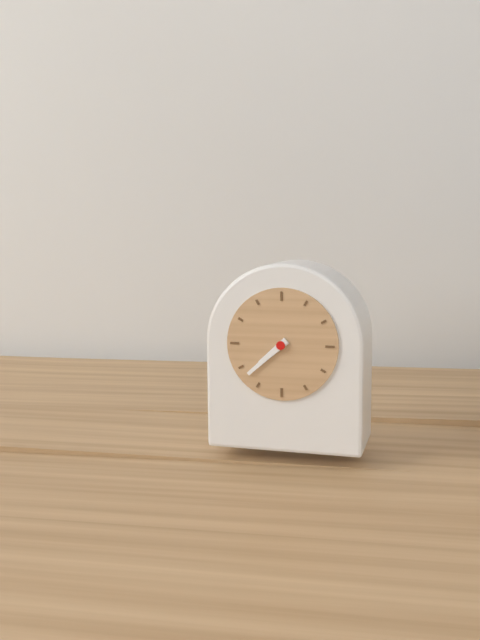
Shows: 7h38
